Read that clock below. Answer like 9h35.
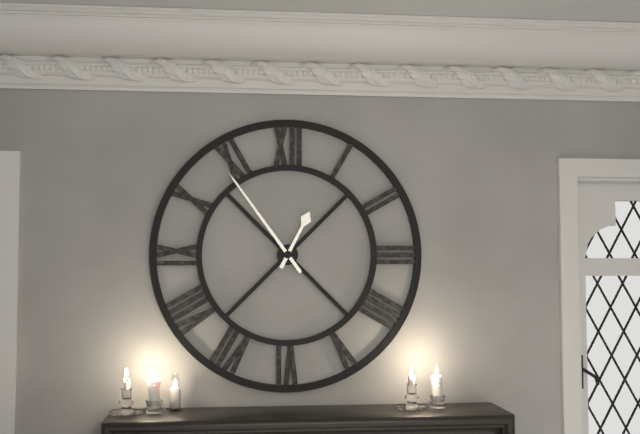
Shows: 12h54
